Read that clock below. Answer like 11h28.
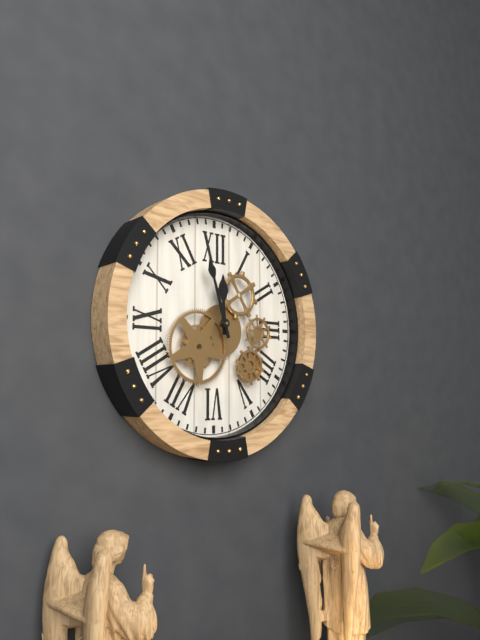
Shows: 11h57
